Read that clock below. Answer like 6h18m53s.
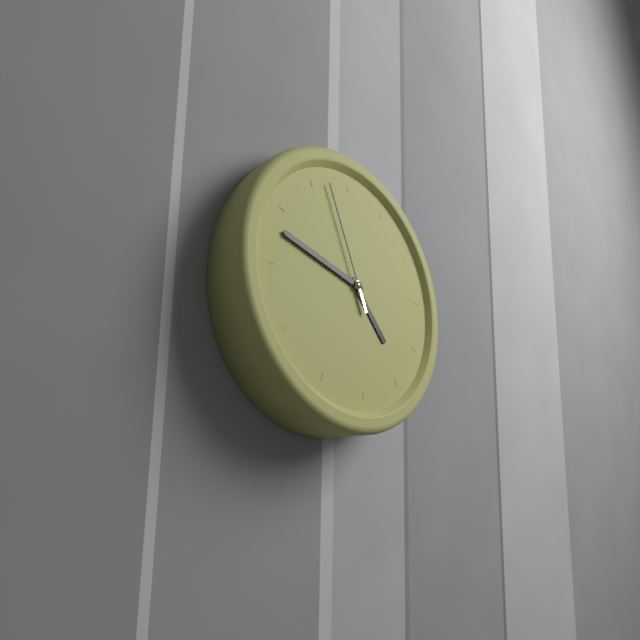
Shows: 4h48m57s
